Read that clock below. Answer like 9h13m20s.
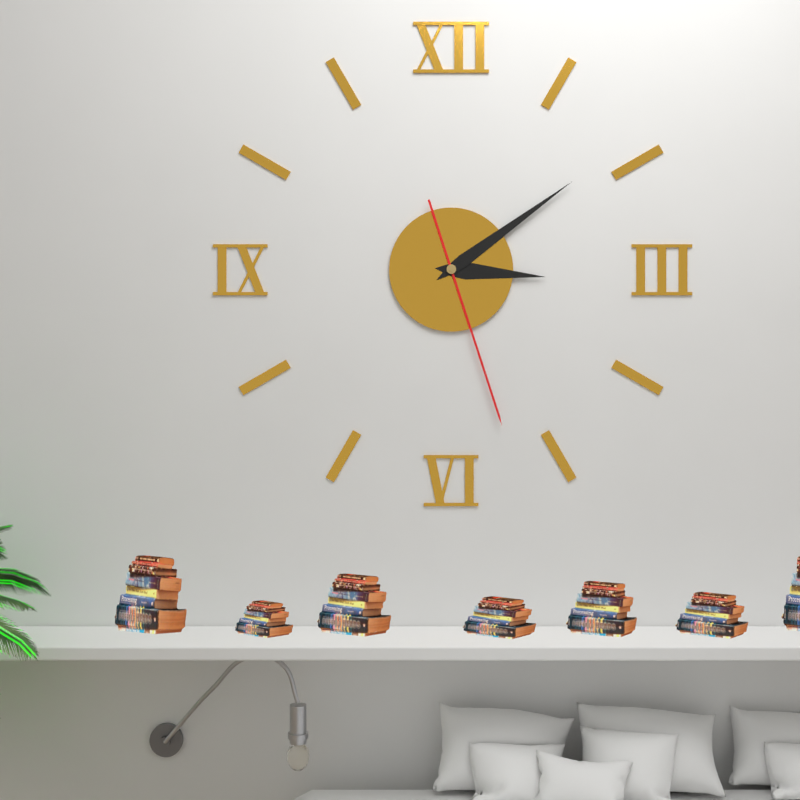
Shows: 3h09m27s
